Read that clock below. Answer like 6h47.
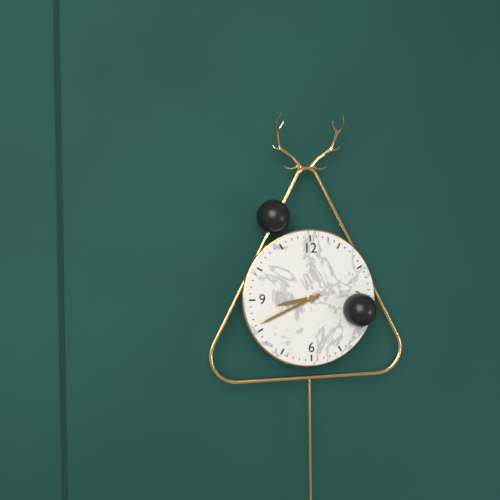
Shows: 8h41
